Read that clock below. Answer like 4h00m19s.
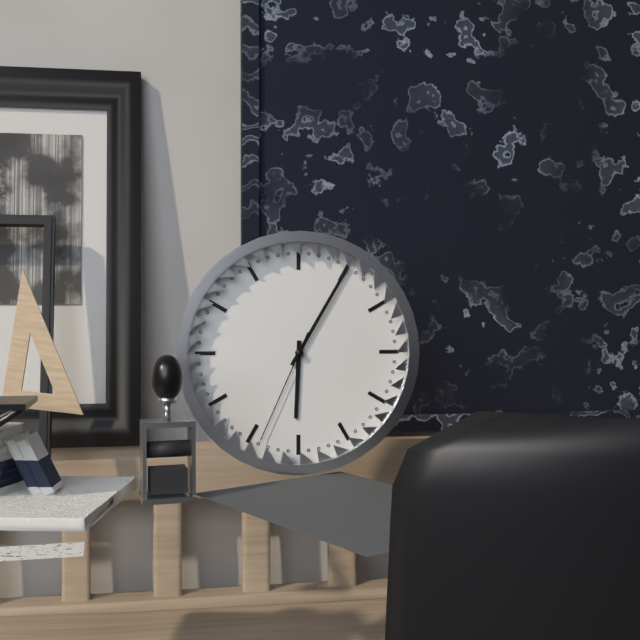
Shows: 6h05m34s
